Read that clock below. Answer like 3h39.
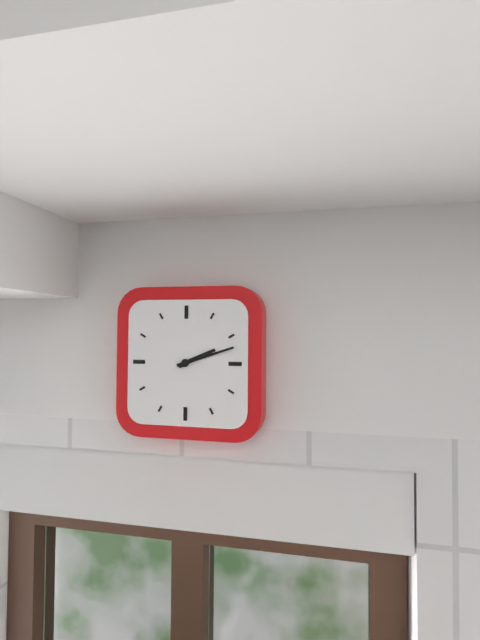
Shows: 2h12
